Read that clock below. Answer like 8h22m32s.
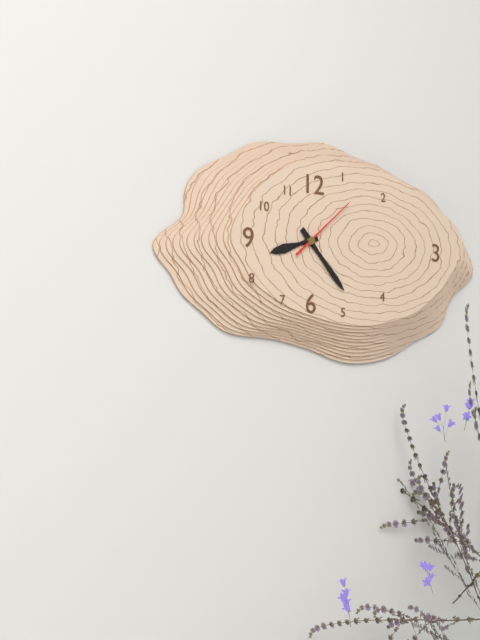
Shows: 8h23m08s
